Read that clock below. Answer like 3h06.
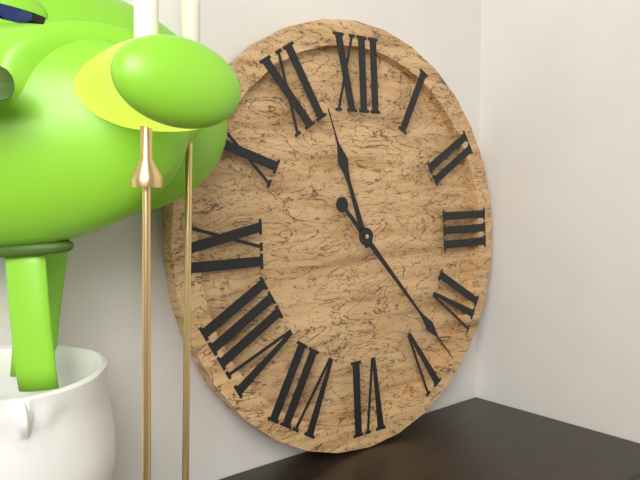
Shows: 11h23
